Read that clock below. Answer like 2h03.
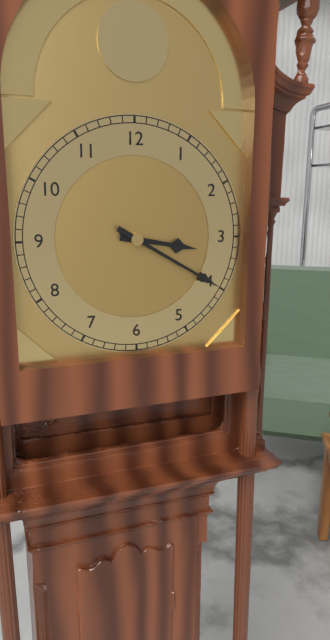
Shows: 3h20
